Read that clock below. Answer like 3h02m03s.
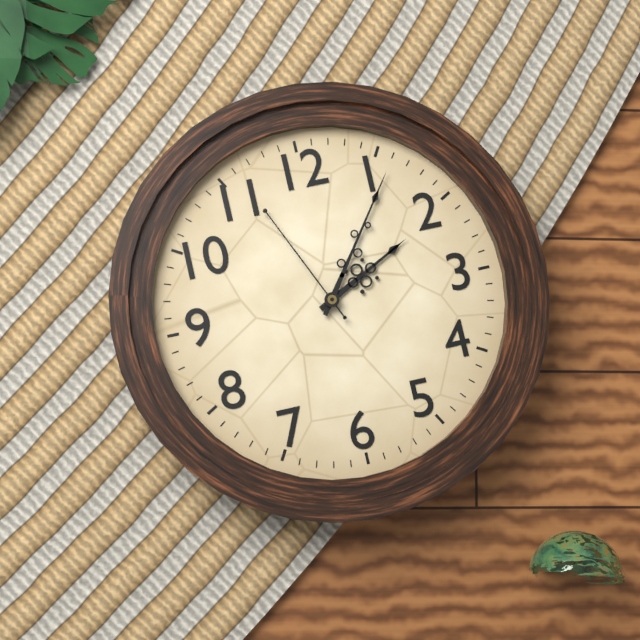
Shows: 2h06m56s
